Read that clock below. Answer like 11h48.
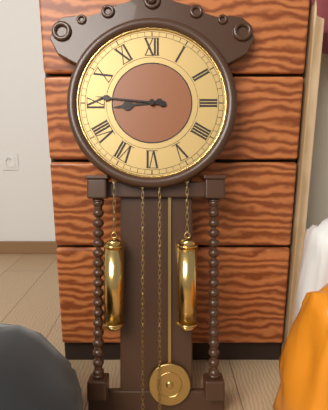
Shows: 8h46
